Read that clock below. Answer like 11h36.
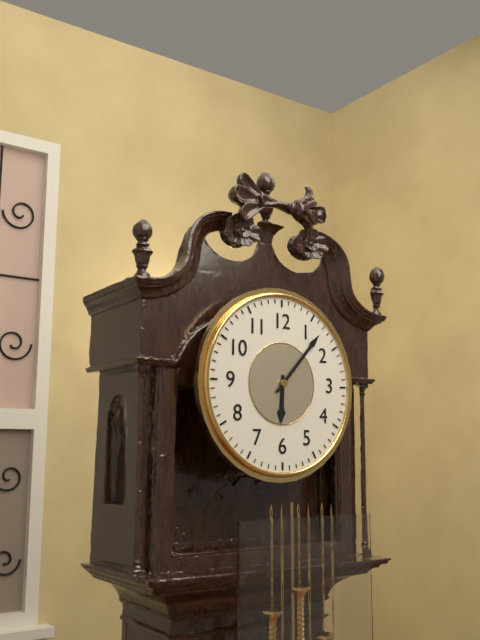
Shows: 6h07
